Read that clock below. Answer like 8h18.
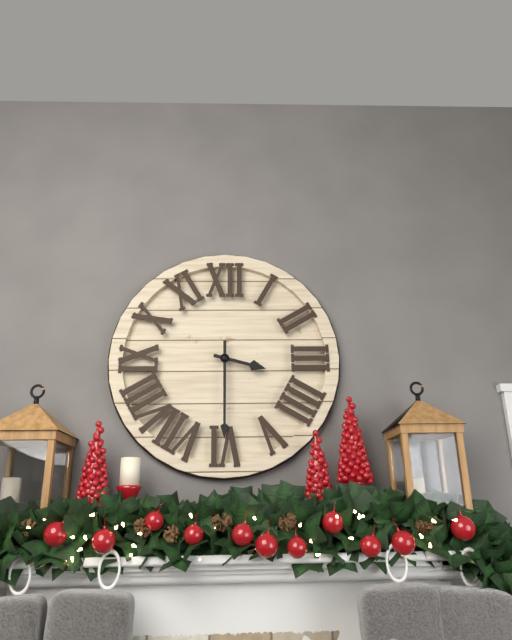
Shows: 3h30
